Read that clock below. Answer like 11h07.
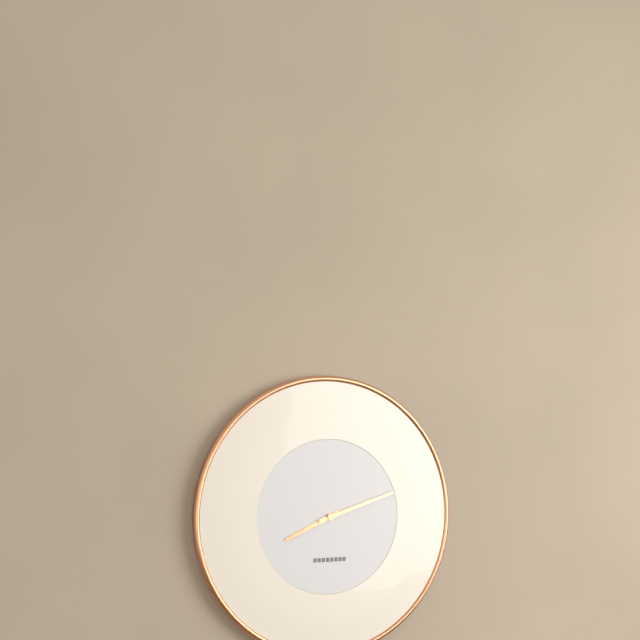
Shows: 8h12
